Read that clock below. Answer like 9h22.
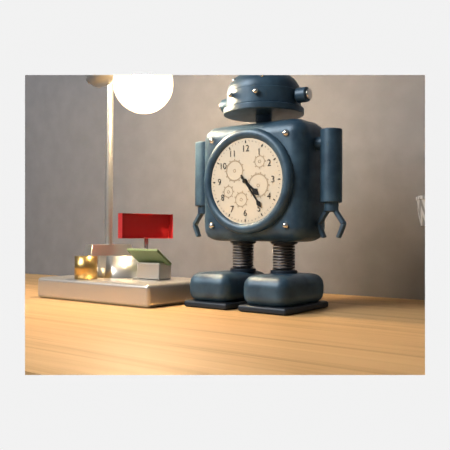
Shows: 4h24
